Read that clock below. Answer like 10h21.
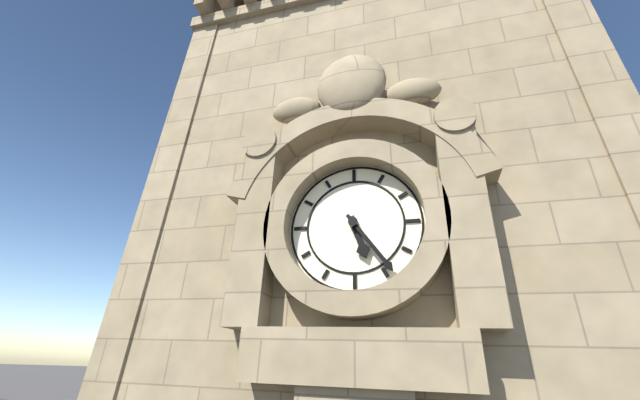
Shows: 5h24
